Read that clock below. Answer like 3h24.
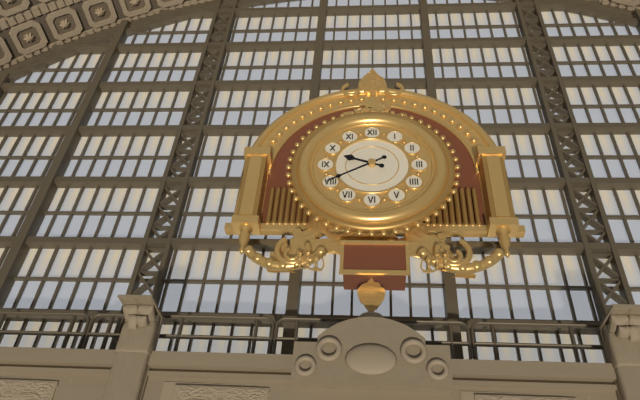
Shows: 9h40
